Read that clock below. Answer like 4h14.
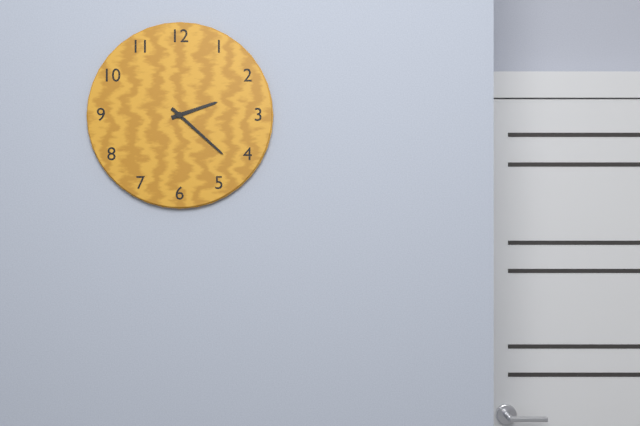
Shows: 2h22
